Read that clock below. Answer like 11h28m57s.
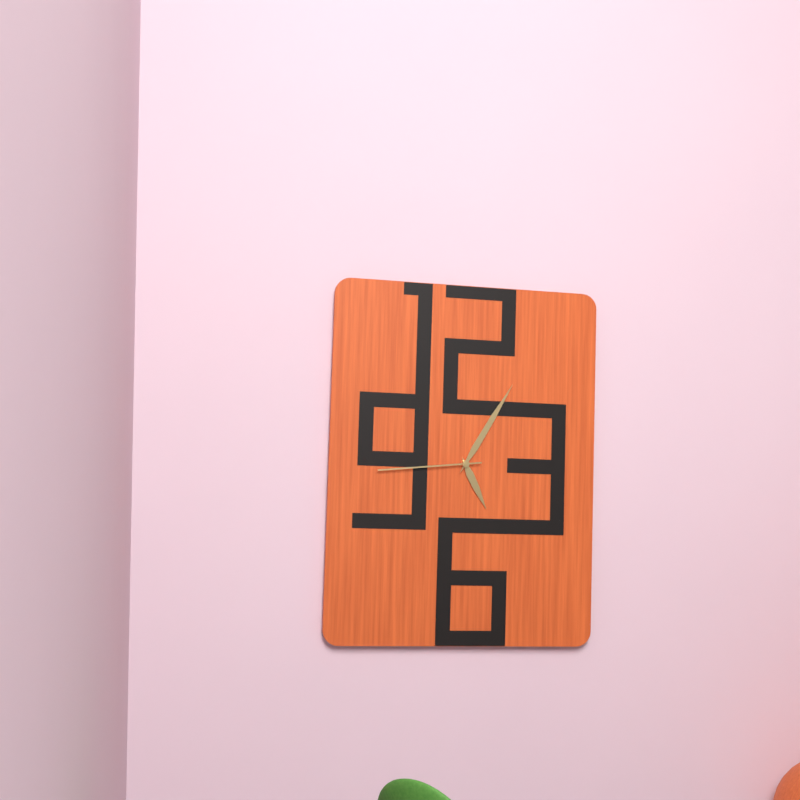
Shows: 5h05m44s
